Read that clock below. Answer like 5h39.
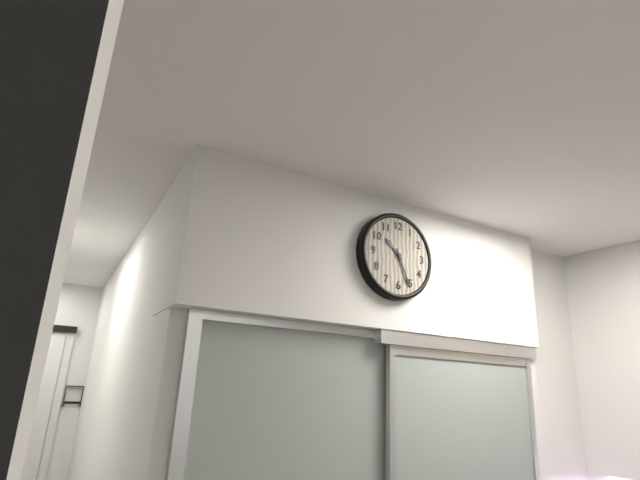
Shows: 10h26
